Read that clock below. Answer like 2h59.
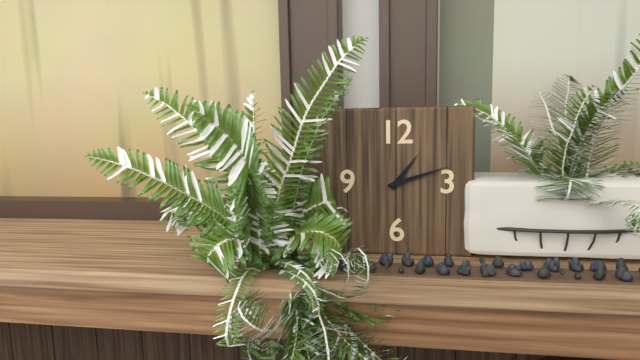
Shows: 1h12
